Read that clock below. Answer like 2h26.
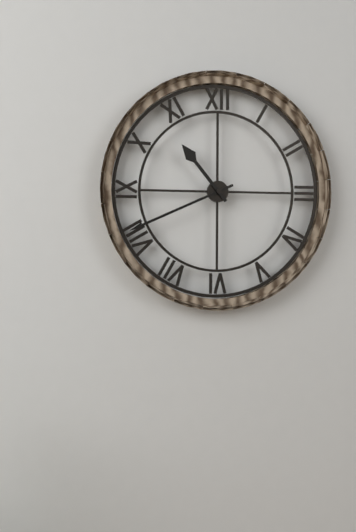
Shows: 10h41
